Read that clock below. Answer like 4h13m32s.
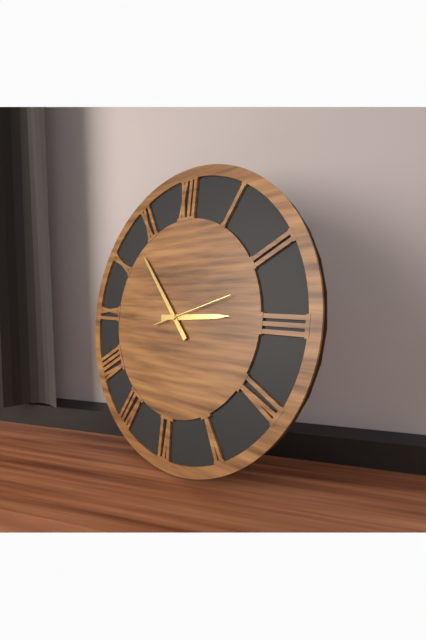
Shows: 2h53m12s
